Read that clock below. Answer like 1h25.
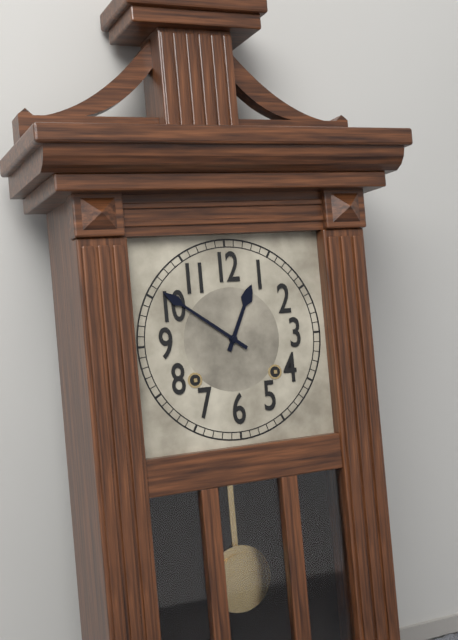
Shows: 12h51
